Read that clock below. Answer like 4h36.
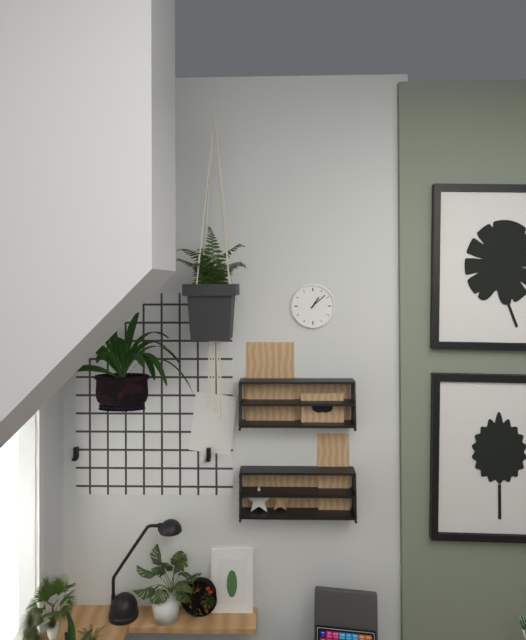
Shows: 1h08
